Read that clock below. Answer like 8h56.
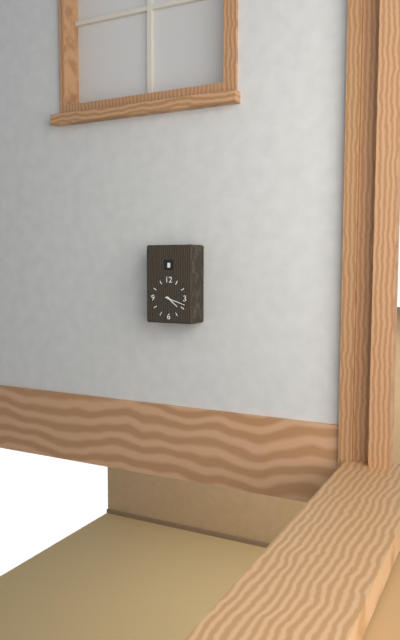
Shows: 4h18
